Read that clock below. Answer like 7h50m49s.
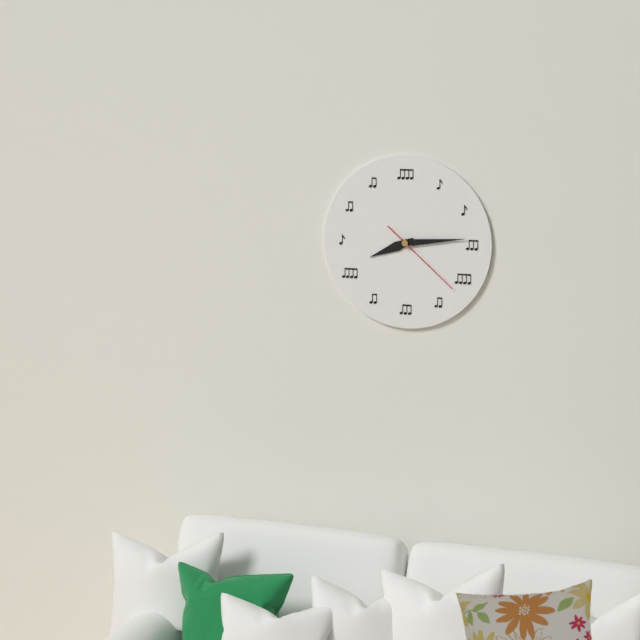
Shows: 8h14m22s
